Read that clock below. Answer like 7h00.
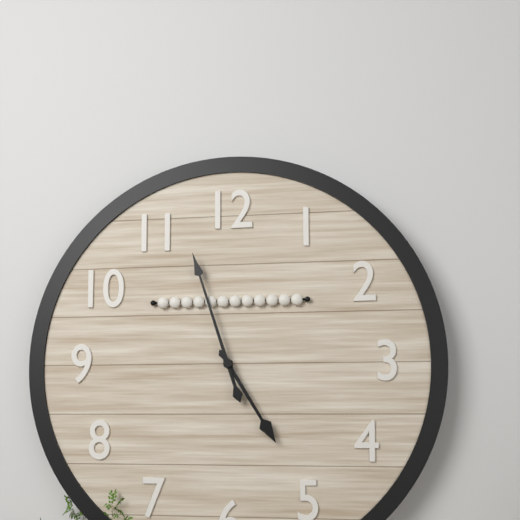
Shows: 4h57
